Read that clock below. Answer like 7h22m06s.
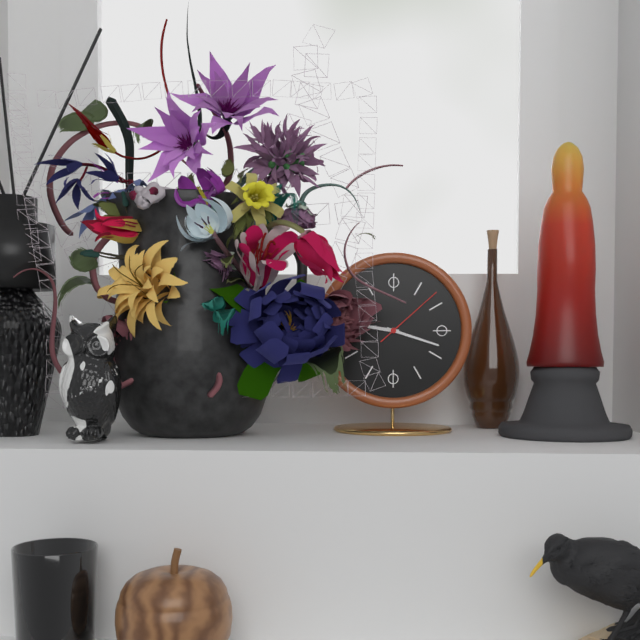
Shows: 9h18m08s
